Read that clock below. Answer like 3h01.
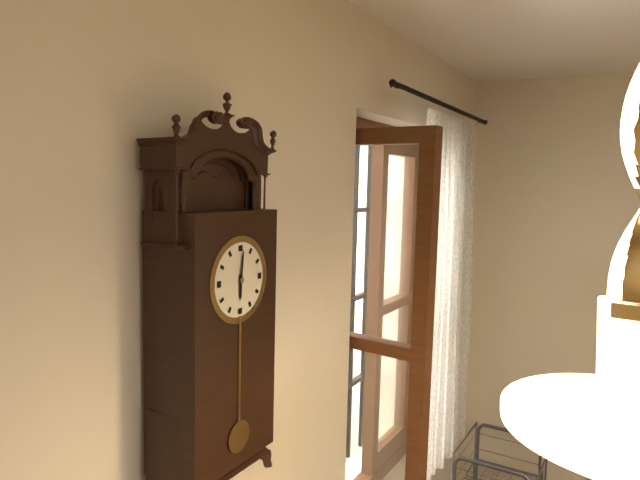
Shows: 6h01
